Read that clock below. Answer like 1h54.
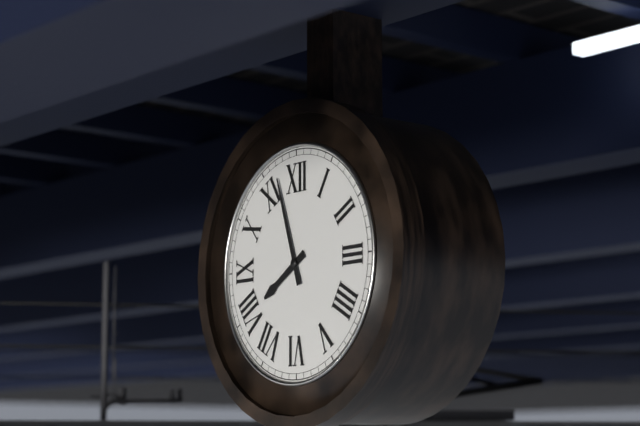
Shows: 7h57
